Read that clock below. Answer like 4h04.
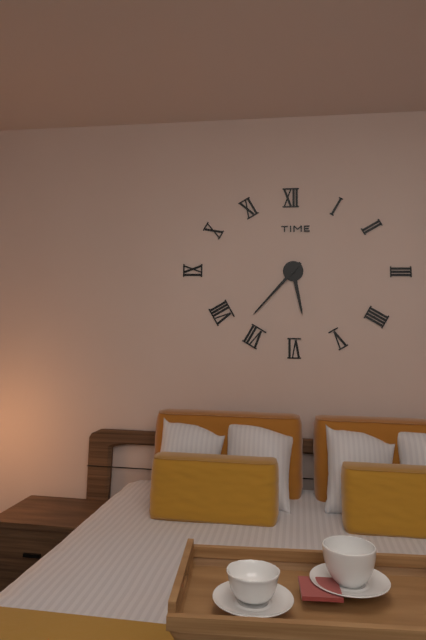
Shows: 5h37
